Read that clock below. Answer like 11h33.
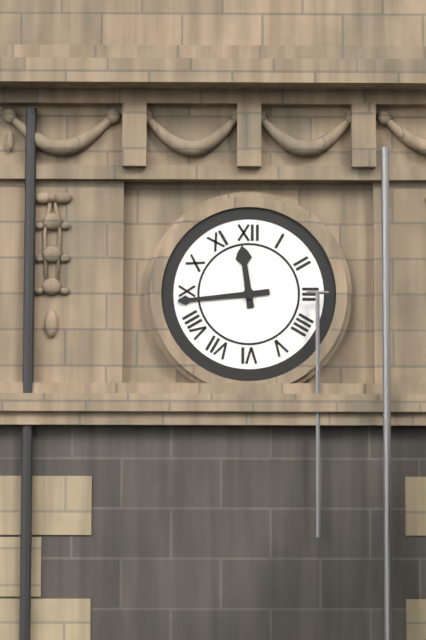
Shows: 11h44
